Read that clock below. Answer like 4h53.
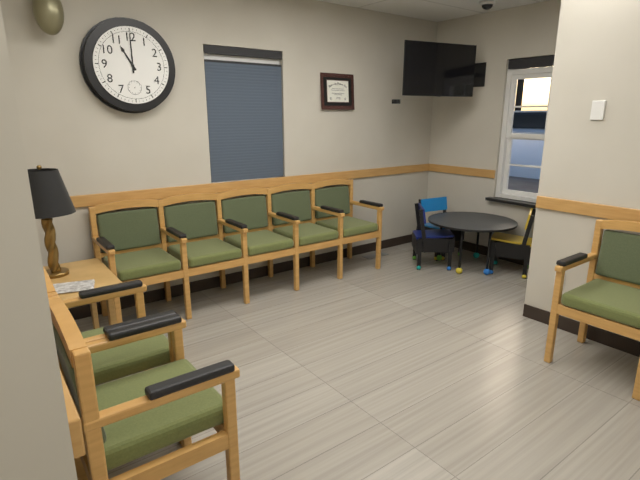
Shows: 11h00
